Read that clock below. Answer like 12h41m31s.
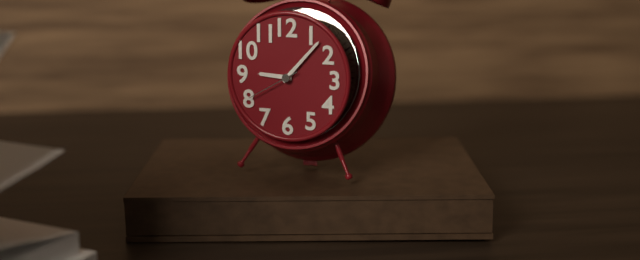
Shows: 9h07m40s
